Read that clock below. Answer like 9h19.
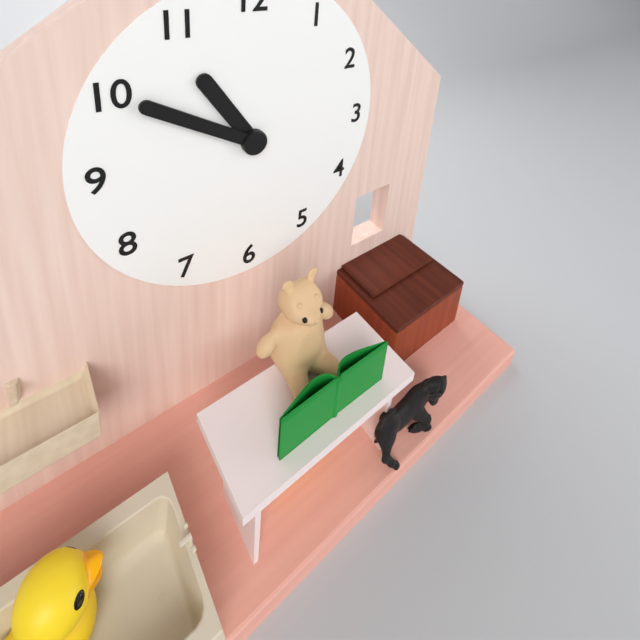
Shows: 10h50
